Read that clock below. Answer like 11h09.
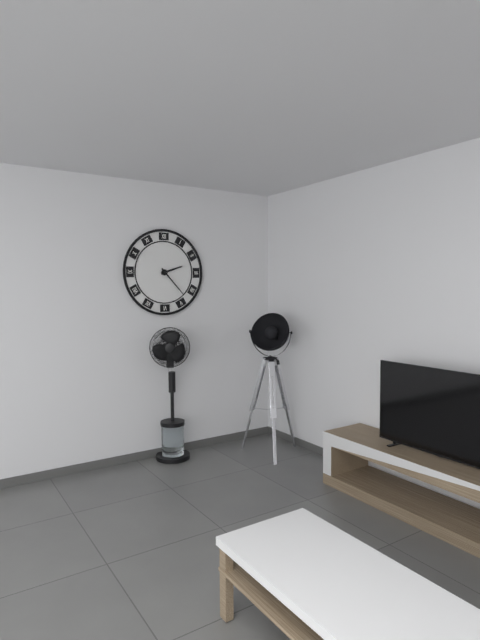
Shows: 2h23
